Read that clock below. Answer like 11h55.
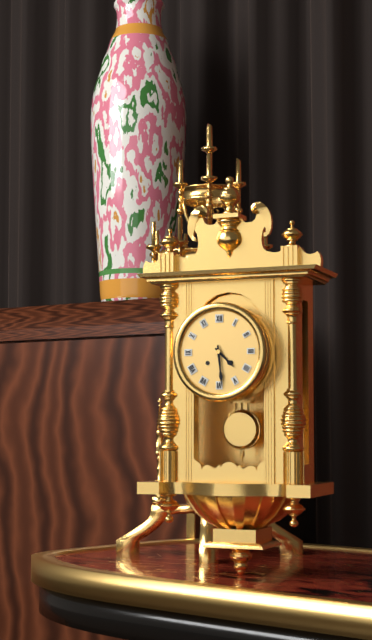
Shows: 4h29
